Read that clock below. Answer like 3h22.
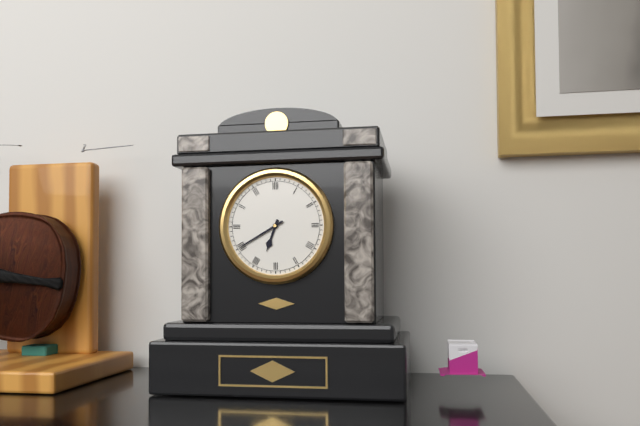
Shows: 6h40
